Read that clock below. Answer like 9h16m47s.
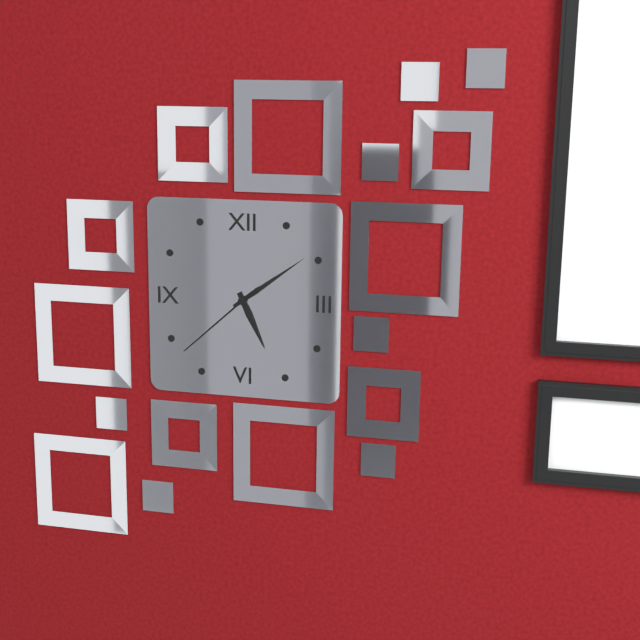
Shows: 5h09m38s
